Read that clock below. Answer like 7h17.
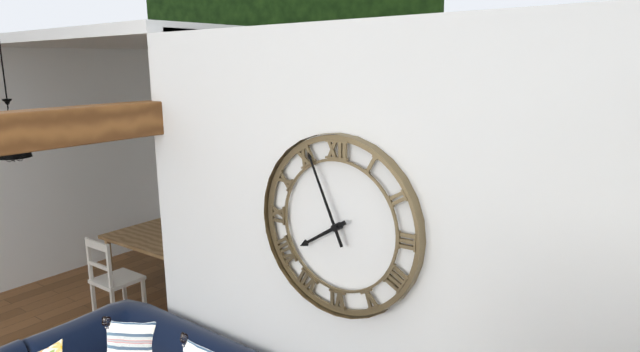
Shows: 7h56
